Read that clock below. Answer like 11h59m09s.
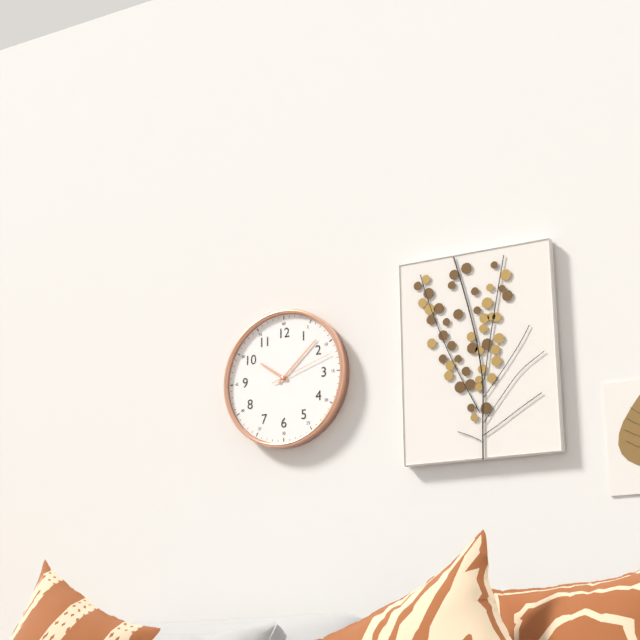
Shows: 10h08m12s
